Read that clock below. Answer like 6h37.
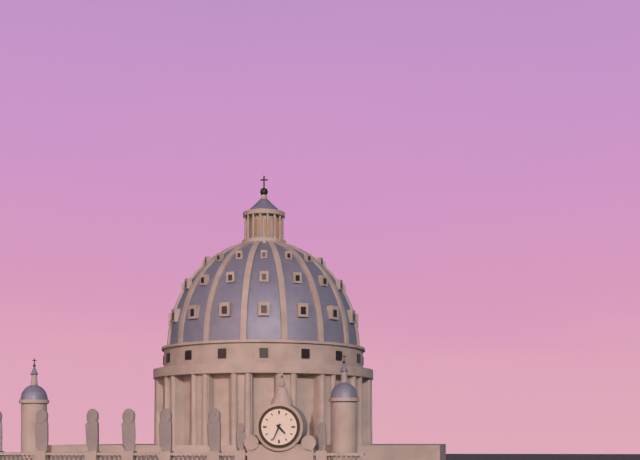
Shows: 4h34
